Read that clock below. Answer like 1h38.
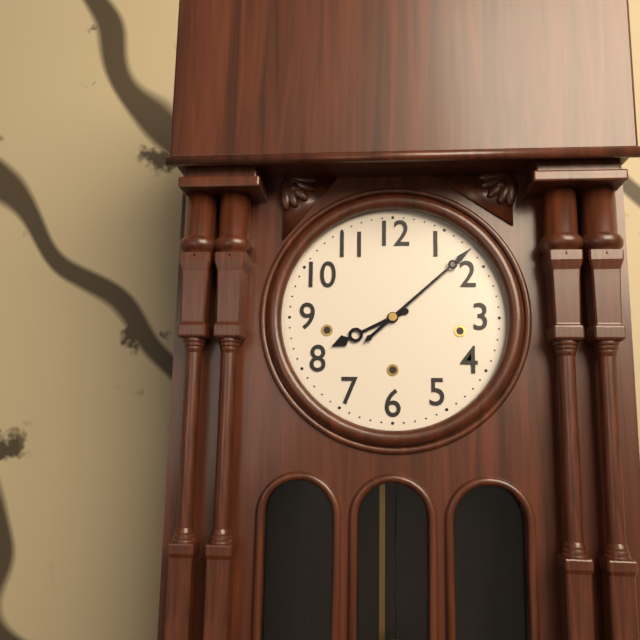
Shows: 8h08
